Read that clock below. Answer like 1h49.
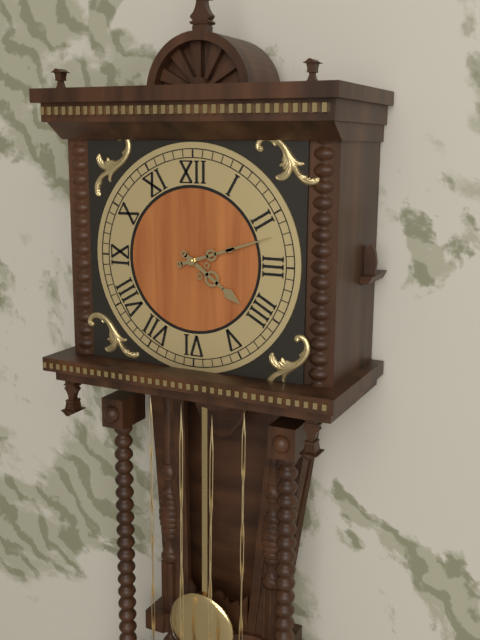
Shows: 4h12
